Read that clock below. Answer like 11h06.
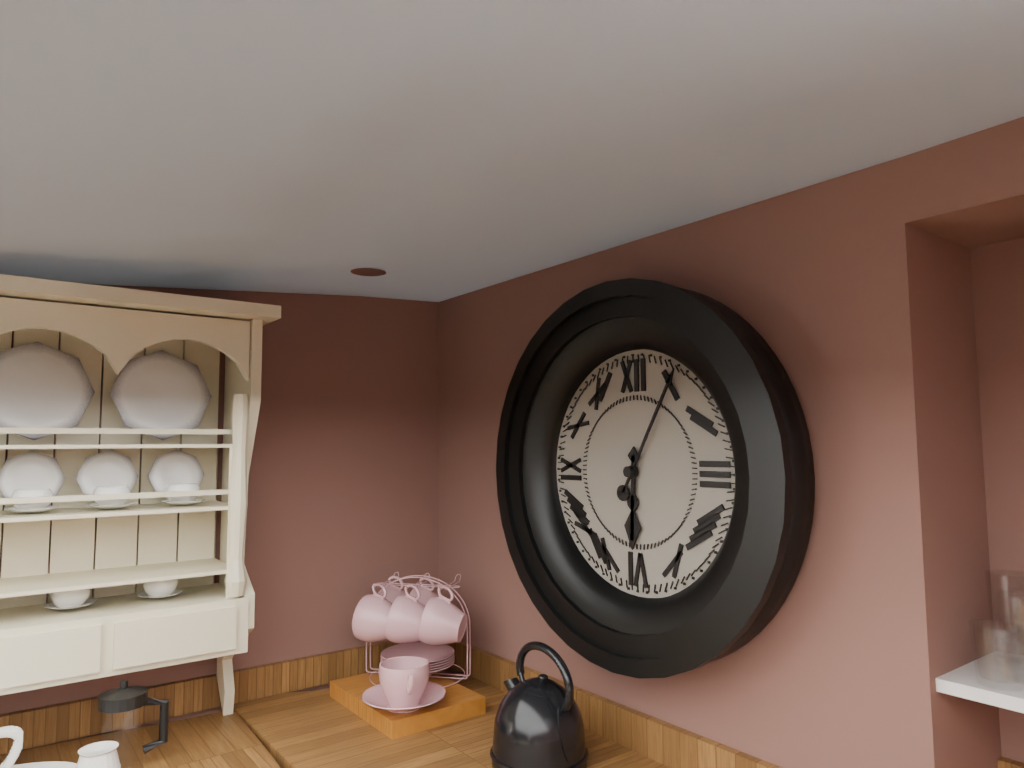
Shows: 6h05
